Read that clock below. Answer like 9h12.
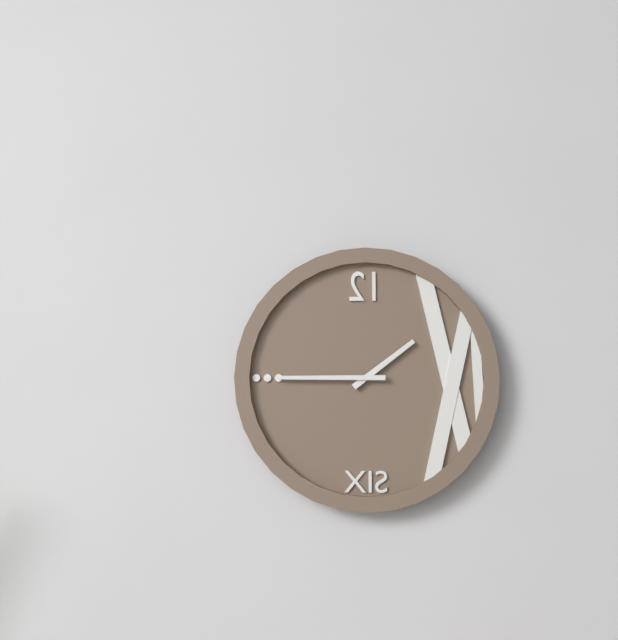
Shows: 1h45
